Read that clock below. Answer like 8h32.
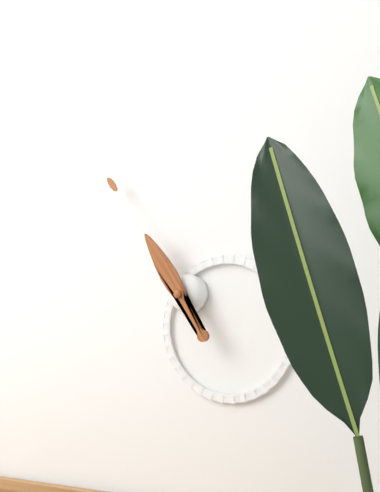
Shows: 10h54
